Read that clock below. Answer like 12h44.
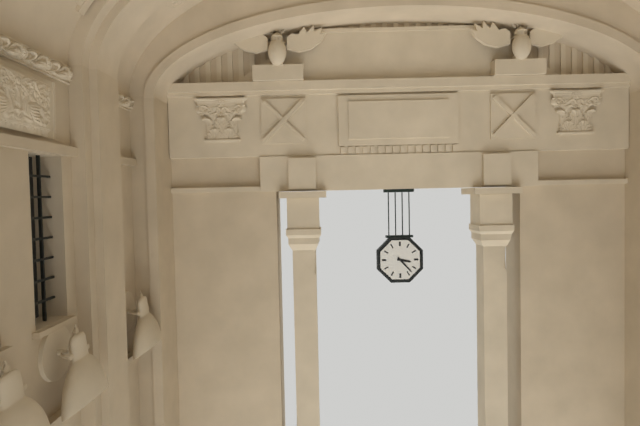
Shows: 3h23
